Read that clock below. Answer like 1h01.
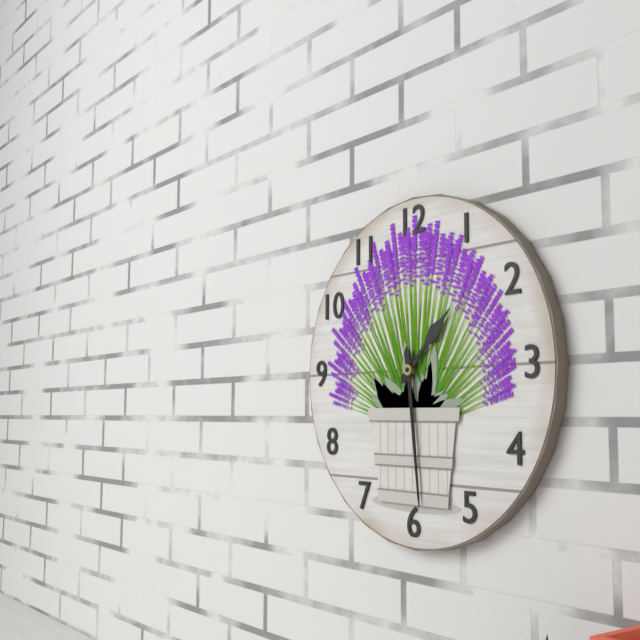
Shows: 1h29
